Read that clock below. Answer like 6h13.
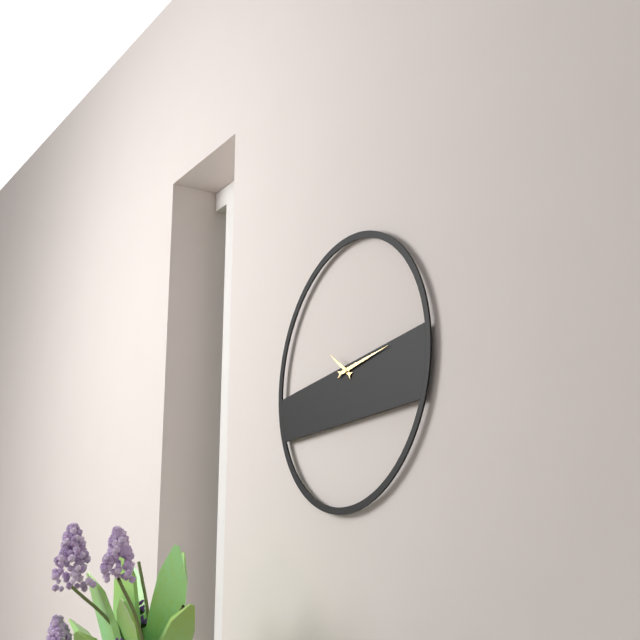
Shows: 10h14
